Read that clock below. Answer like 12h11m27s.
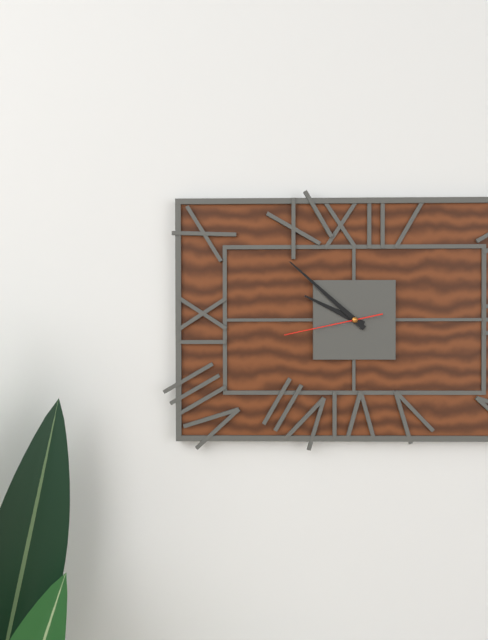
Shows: 9h52m43s
